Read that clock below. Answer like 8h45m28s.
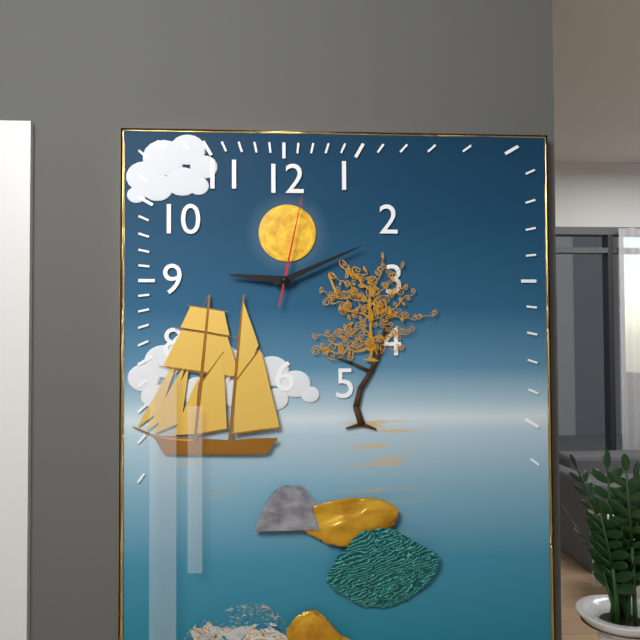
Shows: 9h11m02s
